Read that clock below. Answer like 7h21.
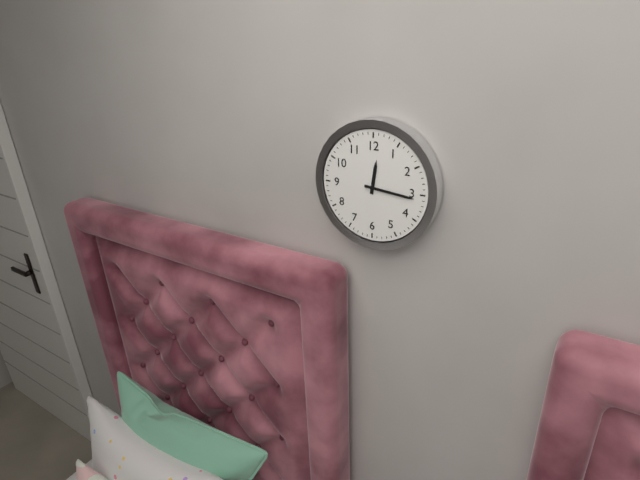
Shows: 12h16
